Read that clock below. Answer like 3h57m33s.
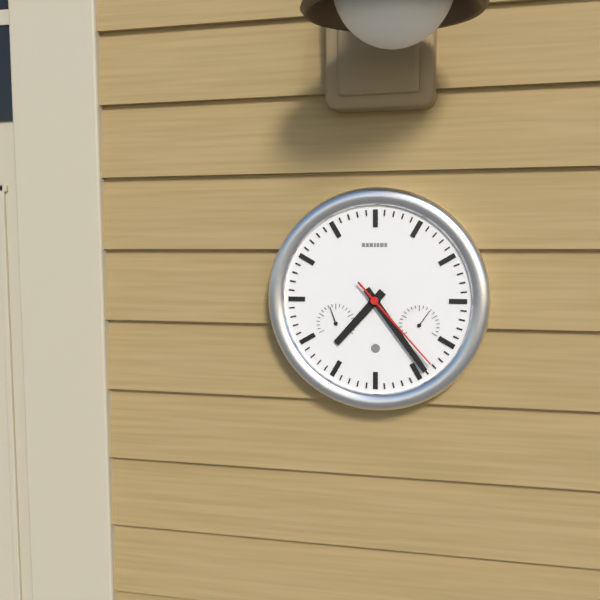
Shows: 7h24m23s
